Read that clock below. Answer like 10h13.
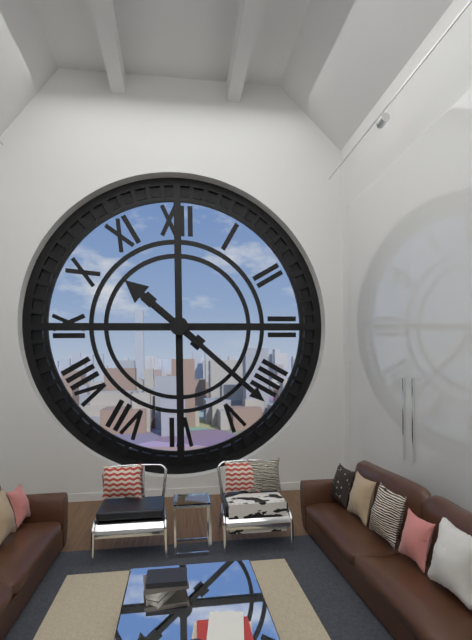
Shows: 10h22
